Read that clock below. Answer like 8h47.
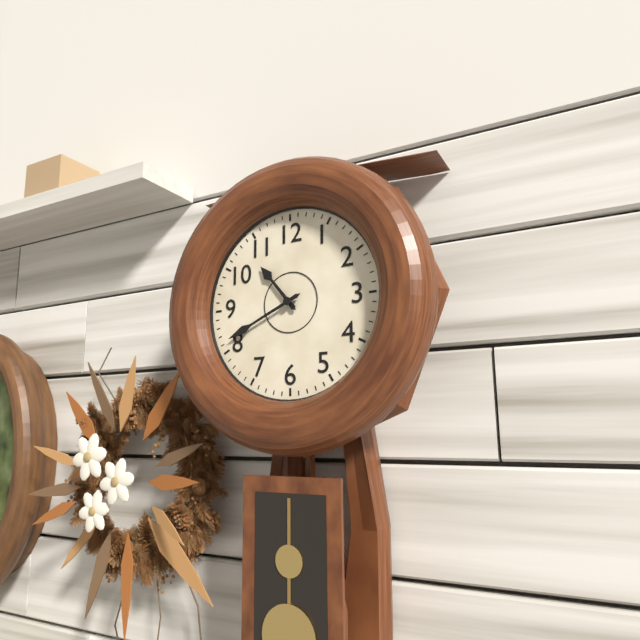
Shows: 10h41
